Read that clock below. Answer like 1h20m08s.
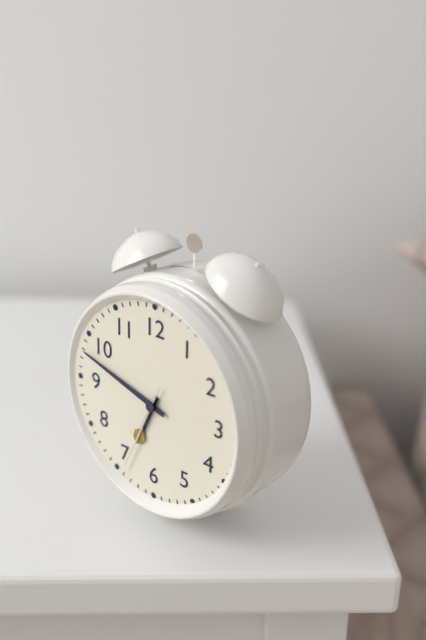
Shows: 6h48m34s
